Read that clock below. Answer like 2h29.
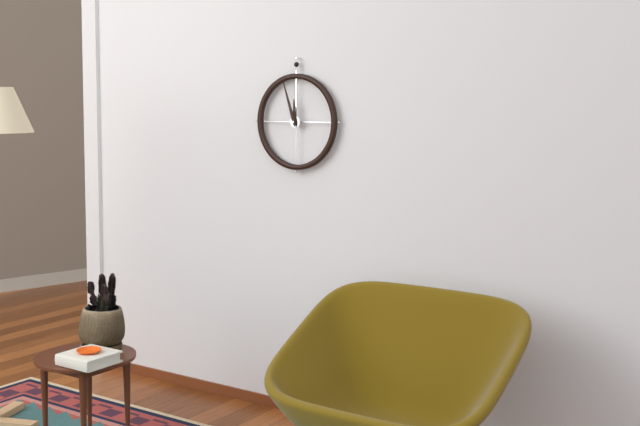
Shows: 11h57
